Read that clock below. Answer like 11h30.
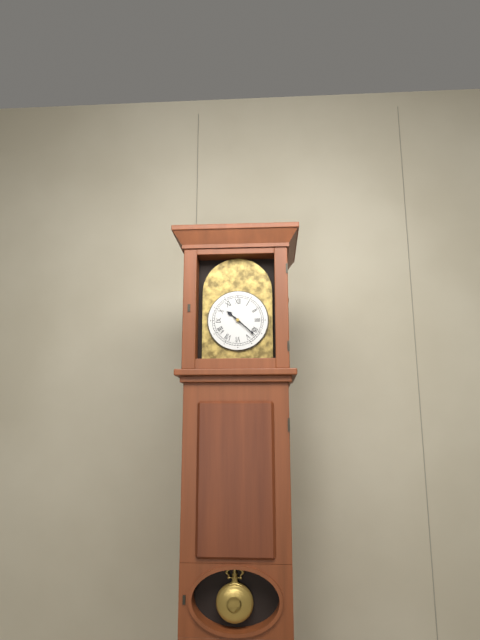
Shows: 10h22
